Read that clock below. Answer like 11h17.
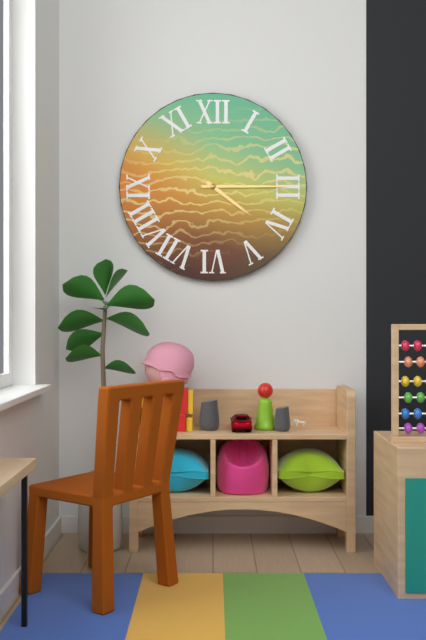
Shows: 4h15
